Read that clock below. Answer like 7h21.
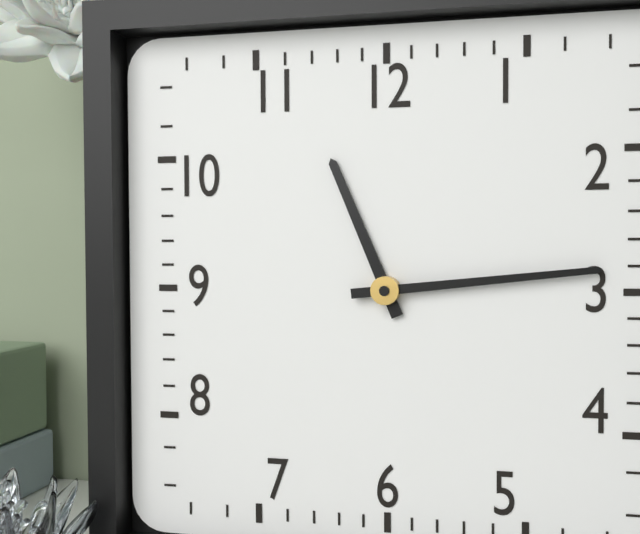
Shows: 11h14
